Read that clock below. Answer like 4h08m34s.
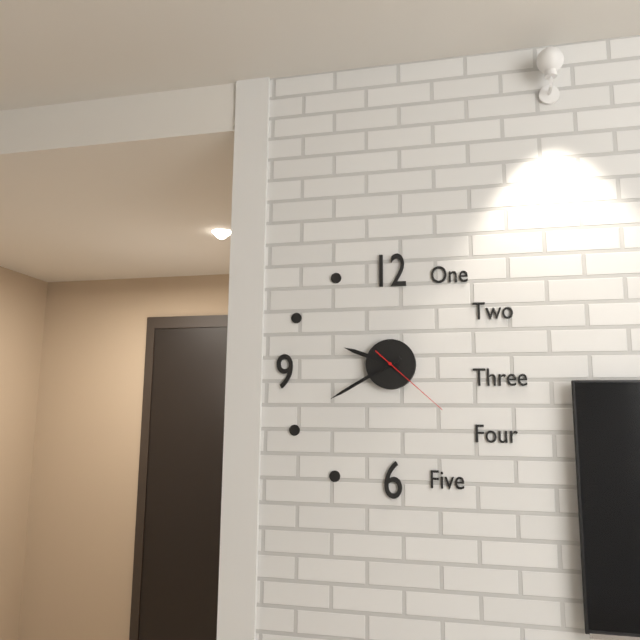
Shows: 9h40m22s
